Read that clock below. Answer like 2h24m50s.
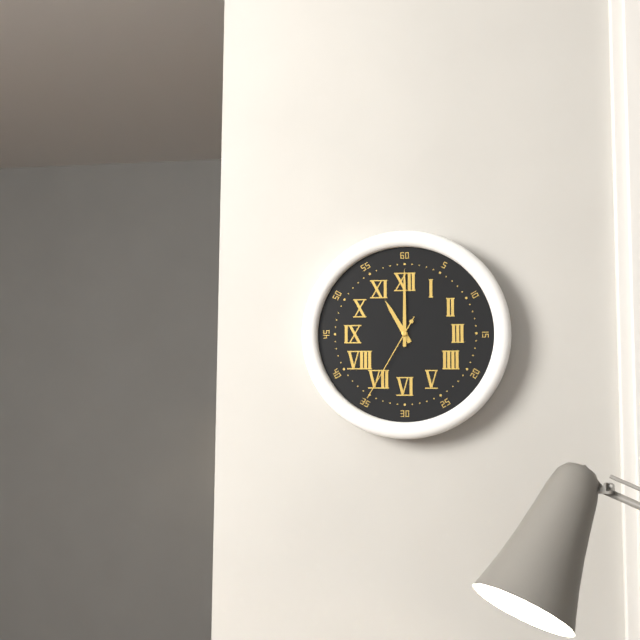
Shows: 11h00m35s
